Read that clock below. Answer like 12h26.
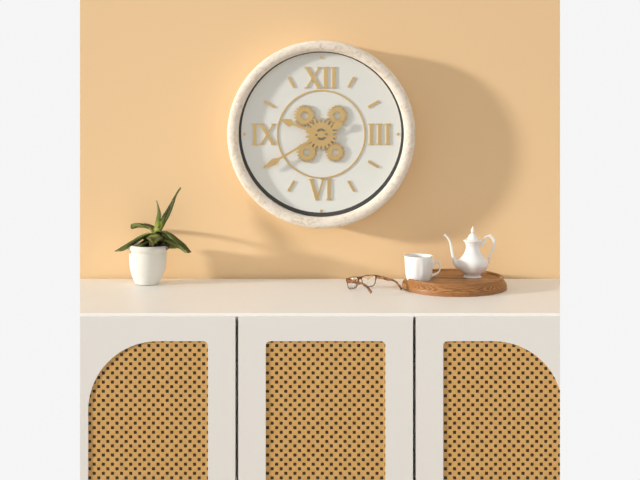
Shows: 9h40
